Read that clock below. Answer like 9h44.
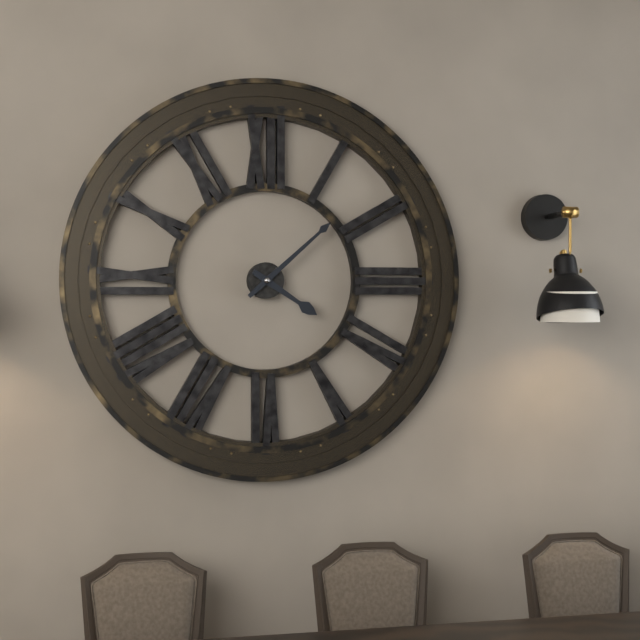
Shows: 4h08
